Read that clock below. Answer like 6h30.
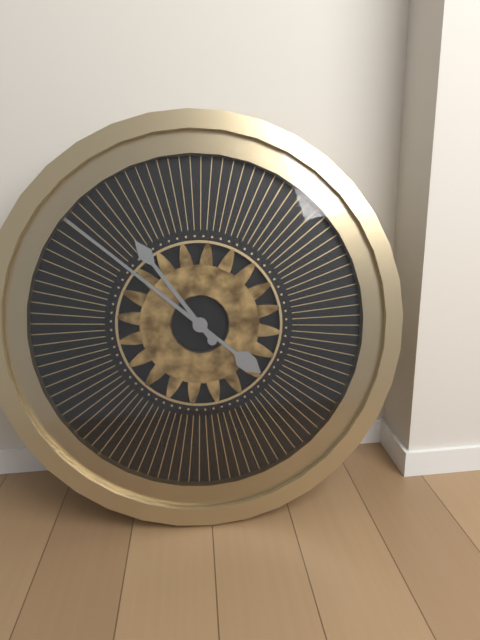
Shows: 10h52
